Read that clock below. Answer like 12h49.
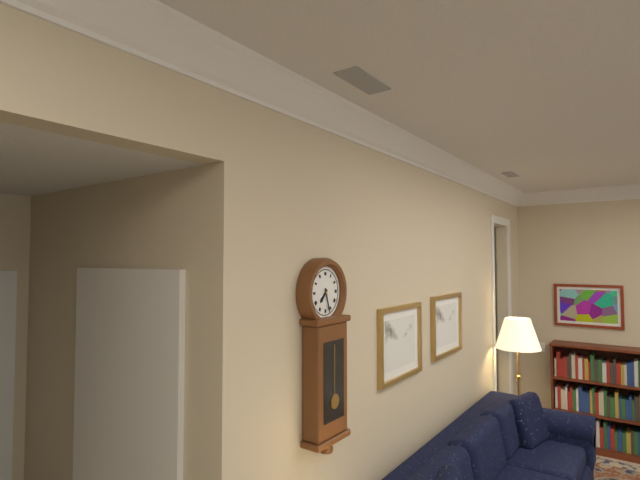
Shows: 7h27
